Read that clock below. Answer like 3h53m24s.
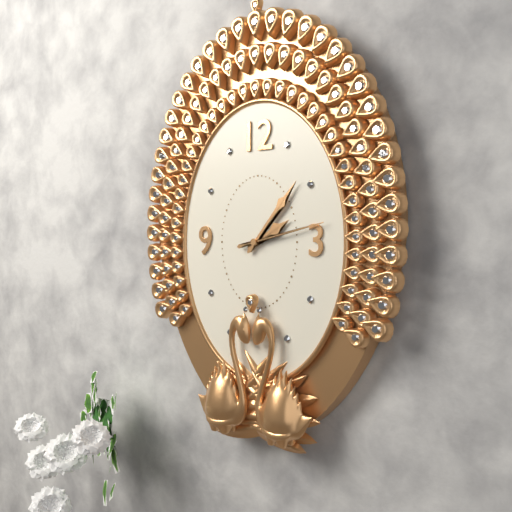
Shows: 2h07m13s
